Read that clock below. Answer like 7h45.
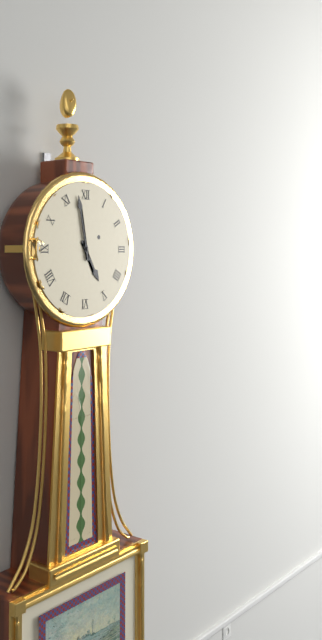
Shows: 4h58
